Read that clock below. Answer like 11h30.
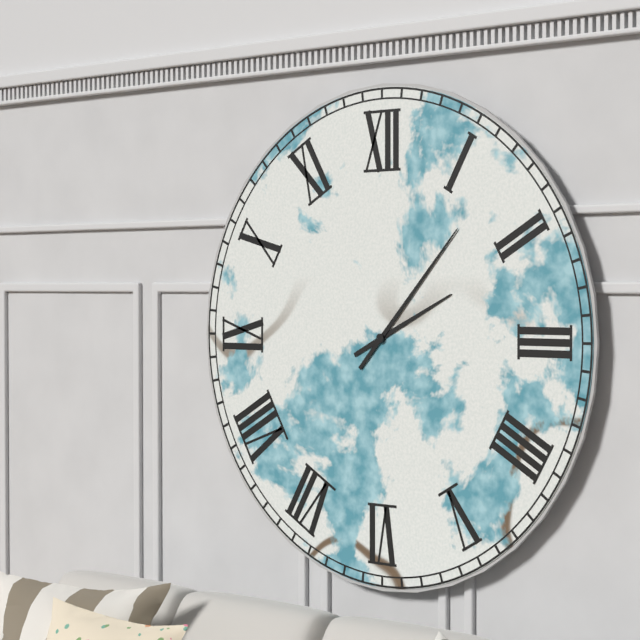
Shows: 2h07
